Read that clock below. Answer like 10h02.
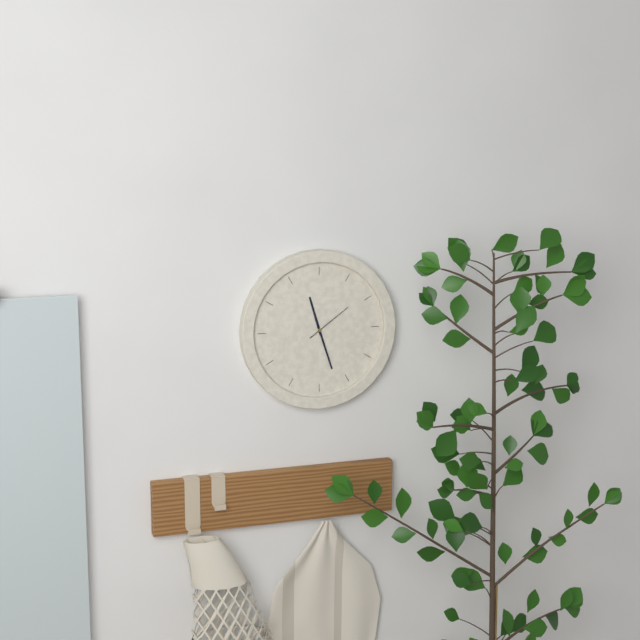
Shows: 11h27
